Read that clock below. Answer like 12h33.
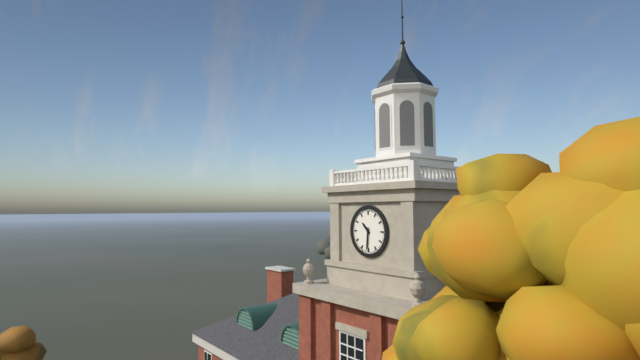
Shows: 10h31
